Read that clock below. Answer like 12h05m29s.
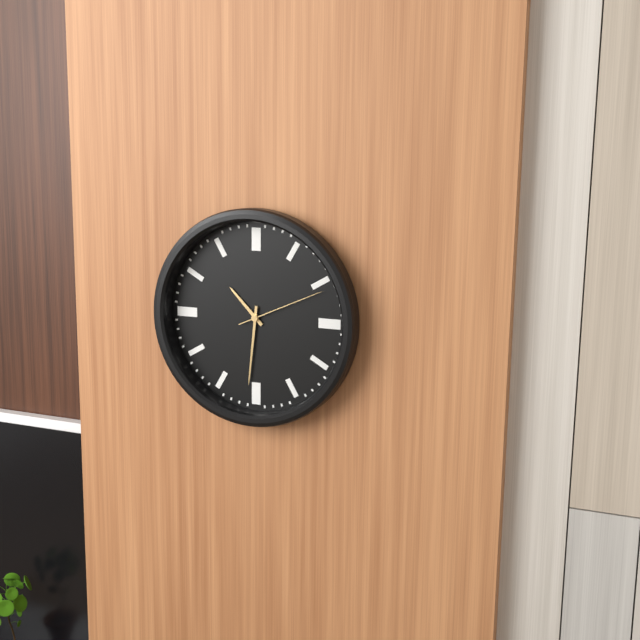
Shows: 10h31m11s
